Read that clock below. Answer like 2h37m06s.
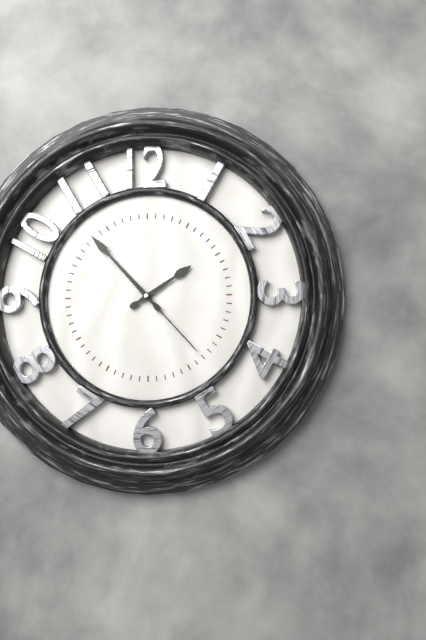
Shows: 1h53m23s
